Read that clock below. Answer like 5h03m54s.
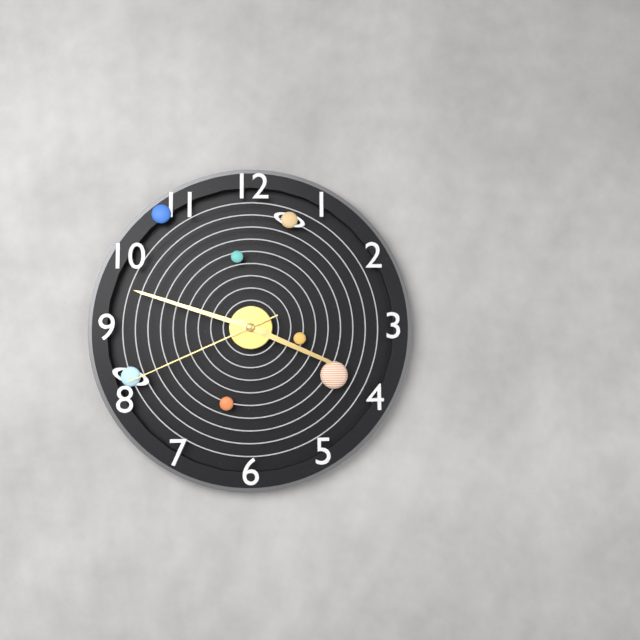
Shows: 3h48m41s
